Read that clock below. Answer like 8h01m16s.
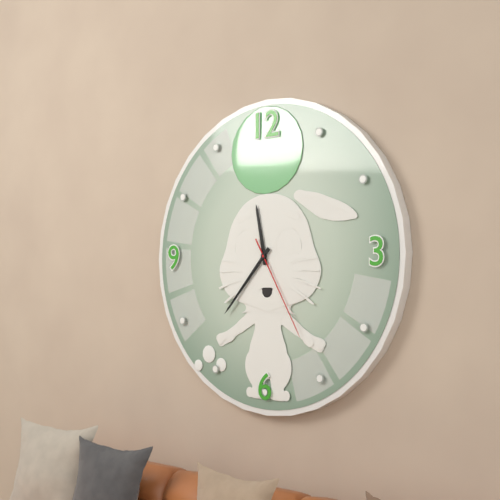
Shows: 11h37m25s
